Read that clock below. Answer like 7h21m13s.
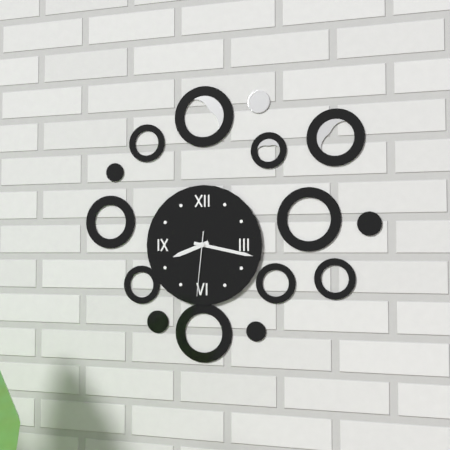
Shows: 8h17m31s
